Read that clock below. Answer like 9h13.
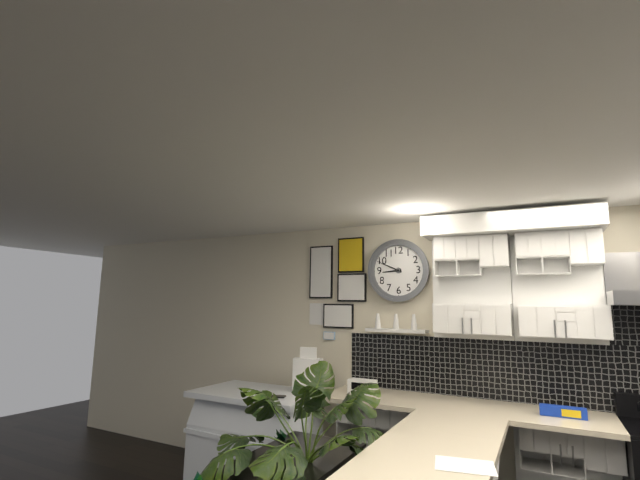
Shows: 8h49
